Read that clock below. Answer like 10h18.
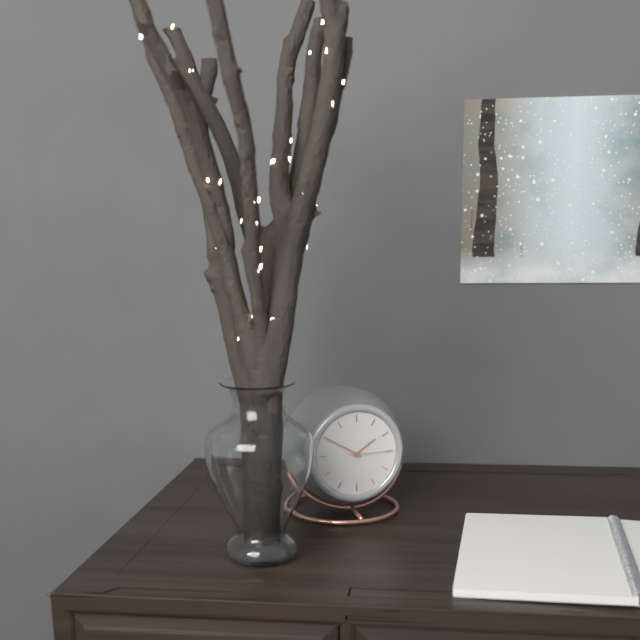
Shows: 1h50
